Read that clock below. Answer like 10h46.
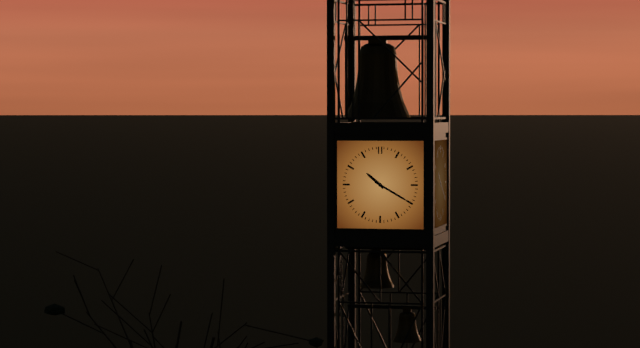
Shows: 10h20
